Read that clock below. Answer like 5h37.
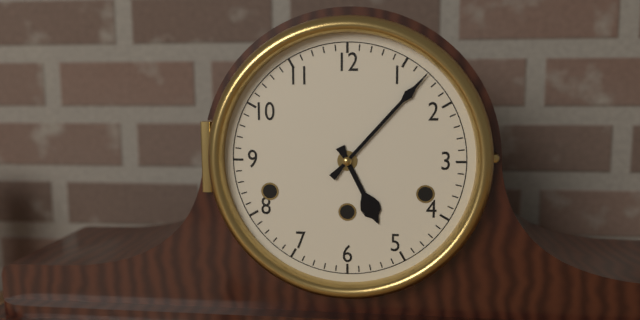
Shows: 5h07
